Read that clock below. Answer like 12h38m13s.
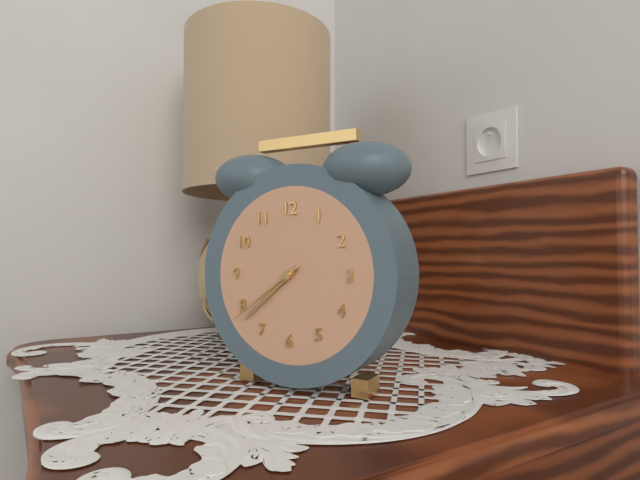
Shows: 7h38m39s
